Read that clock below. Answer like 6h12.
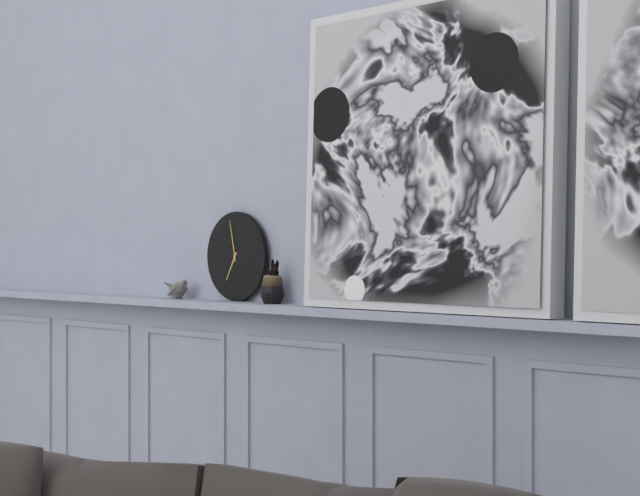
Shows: 6h58
